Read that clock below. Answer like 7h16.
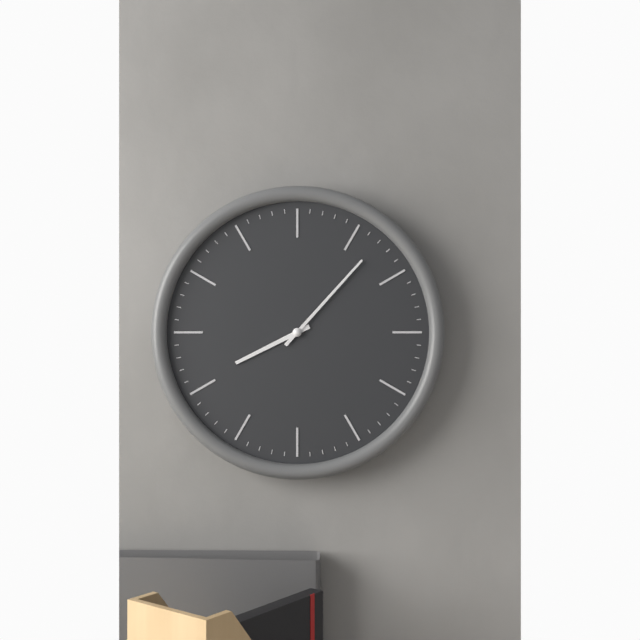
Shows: 8h07
